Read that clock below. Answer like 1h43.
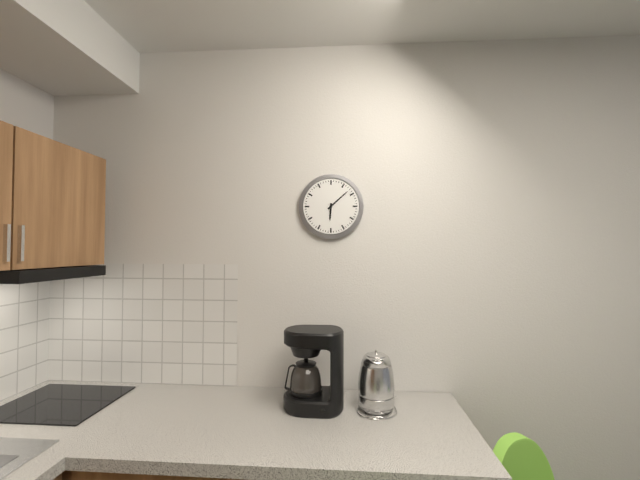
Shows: 6h08
